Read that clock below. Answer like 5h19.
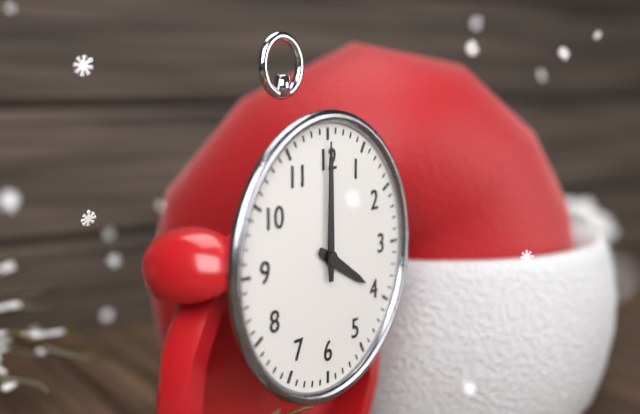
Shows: 4h00
